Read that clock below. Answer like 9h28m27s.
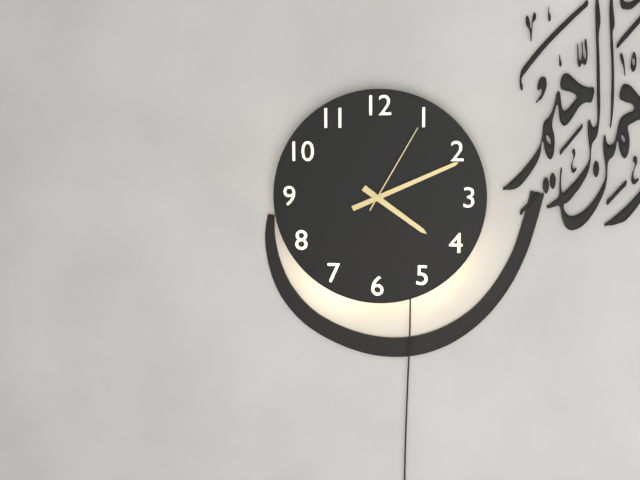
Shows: 4h11m05s
